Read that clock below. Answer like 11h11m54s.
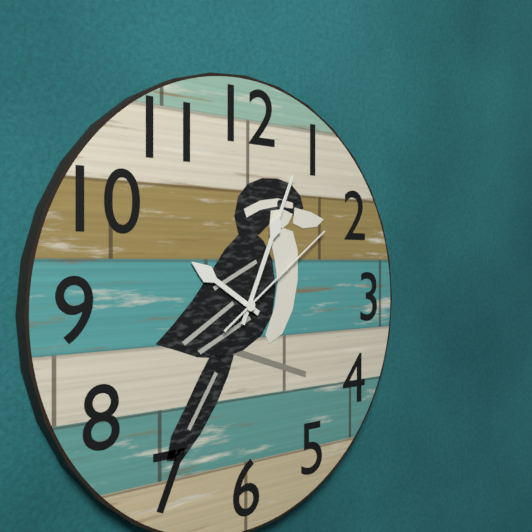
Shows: 10h04m09s
